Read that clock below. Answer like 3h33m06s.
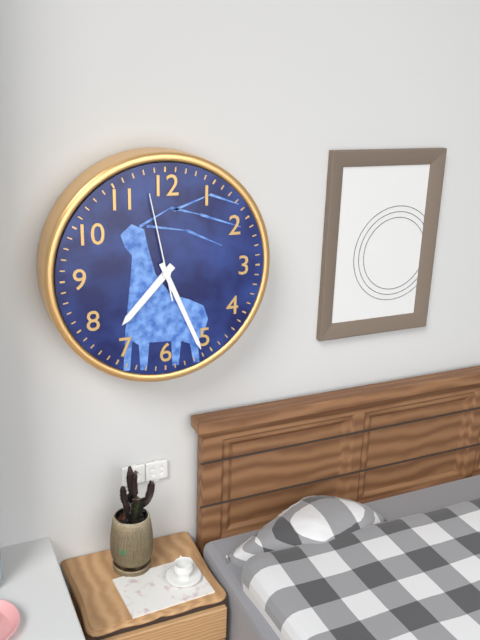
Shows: 7h26m58s
